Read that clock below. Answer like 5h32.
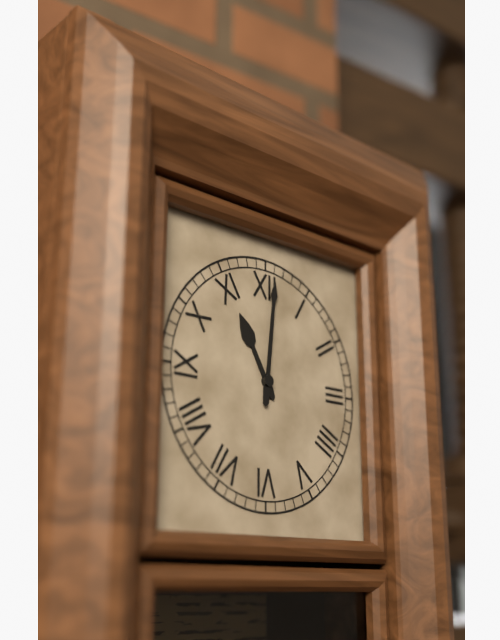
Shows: 11h01
